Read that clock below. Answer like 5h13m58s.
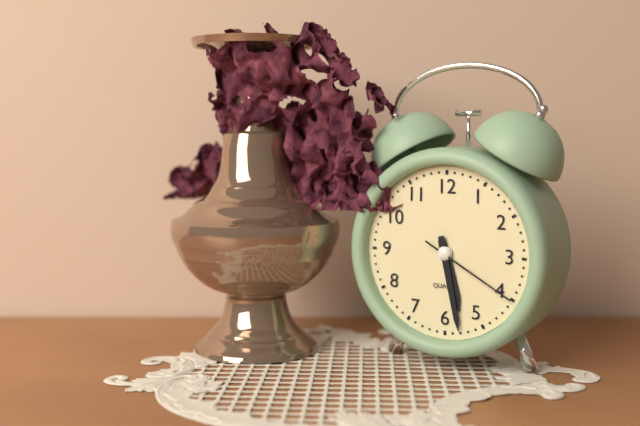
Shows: 5h28m20s
